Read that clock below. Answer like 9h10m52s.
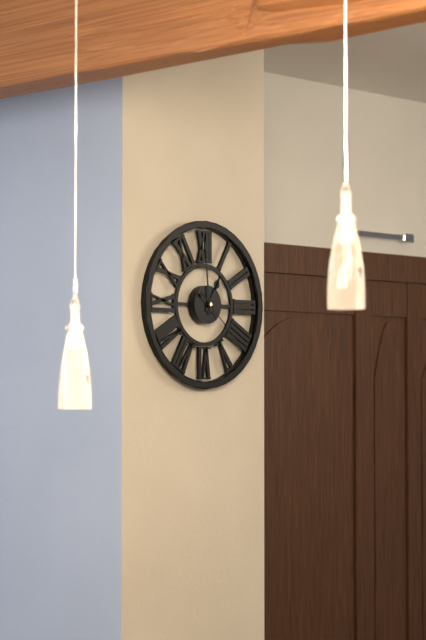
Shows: 12h59m22s
